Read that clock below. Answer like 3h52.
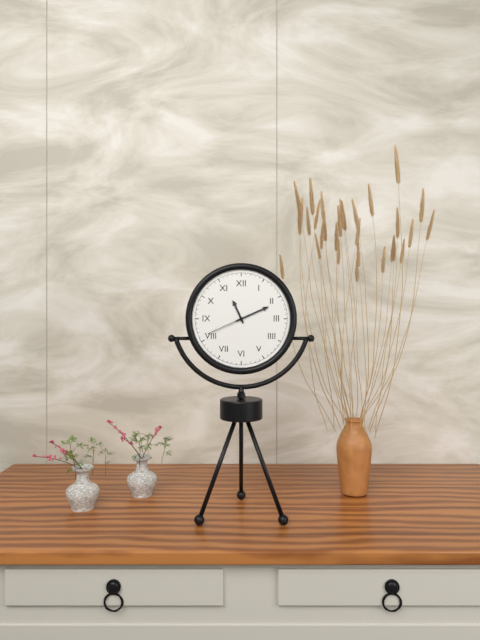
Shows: 11h11
